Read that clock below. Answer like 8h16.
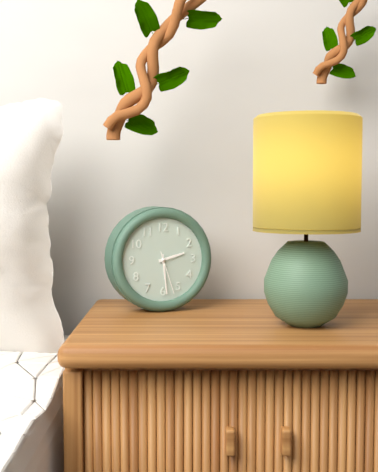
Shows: 2h29
